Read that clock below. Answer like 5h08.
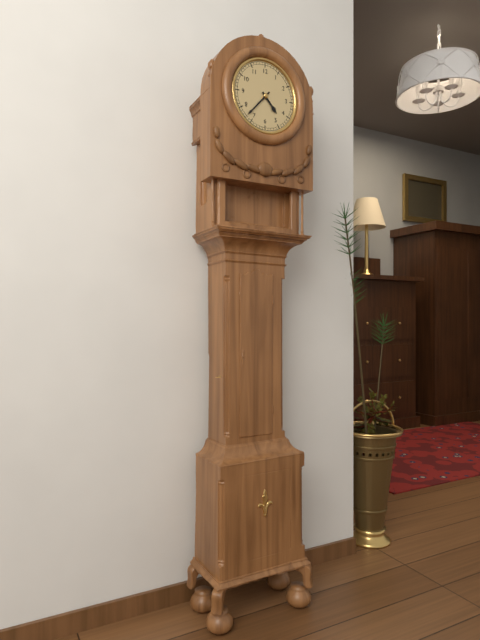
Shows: 4h37
